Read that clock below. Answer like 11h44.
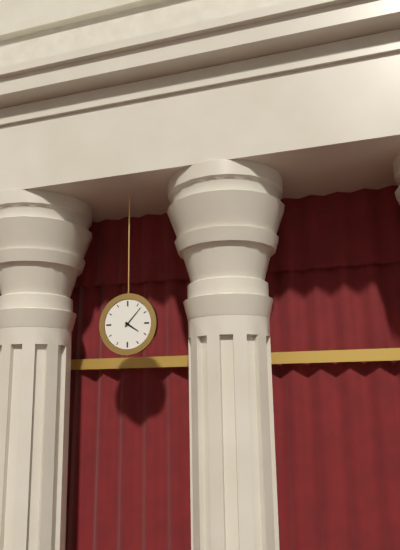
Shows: 4h07
